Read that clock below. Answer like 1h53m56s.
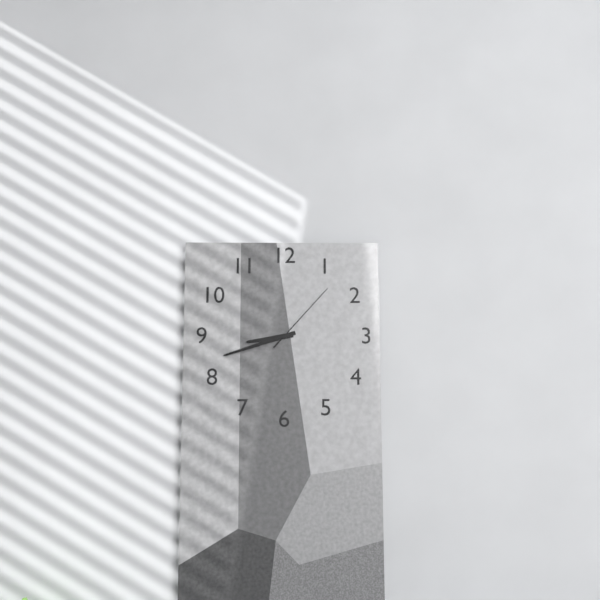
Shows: 8h42m07s
